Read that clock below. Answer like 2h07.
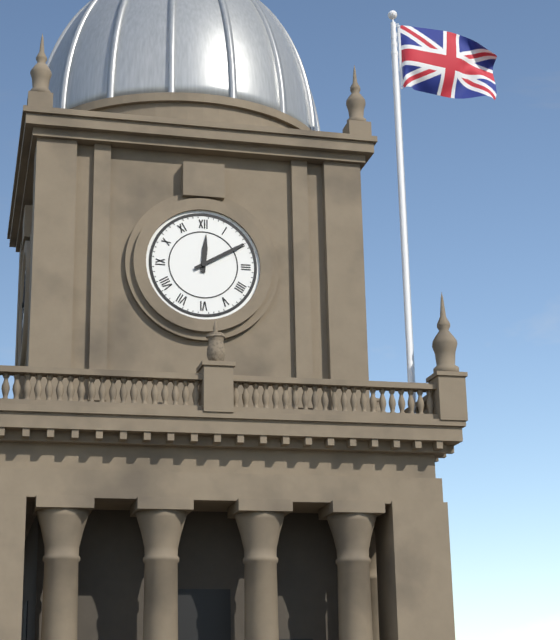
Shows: 12h10
